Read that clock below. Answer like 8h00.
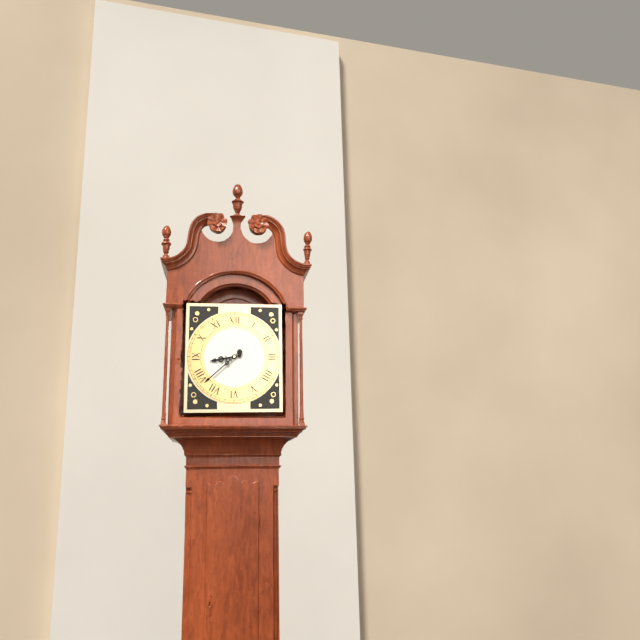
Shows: 8h38
